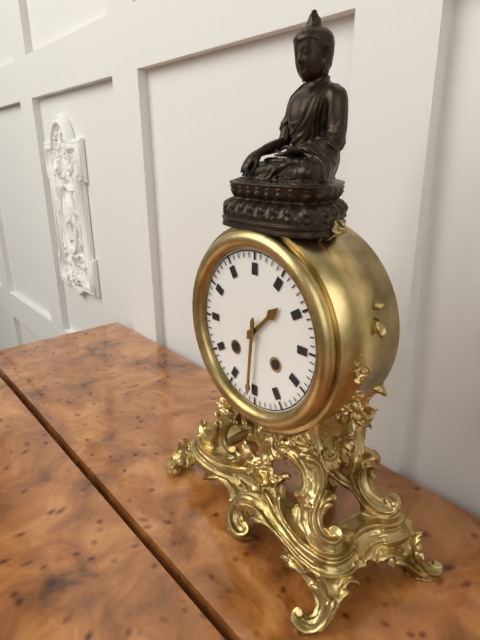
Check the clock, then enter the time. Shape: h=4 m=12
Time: h=1 m=31
